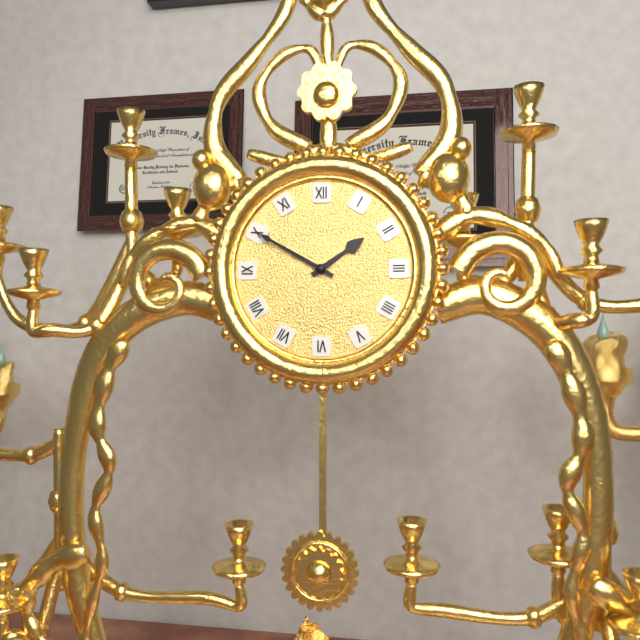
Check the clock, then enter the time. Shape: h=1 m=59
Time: h=1 m=50
